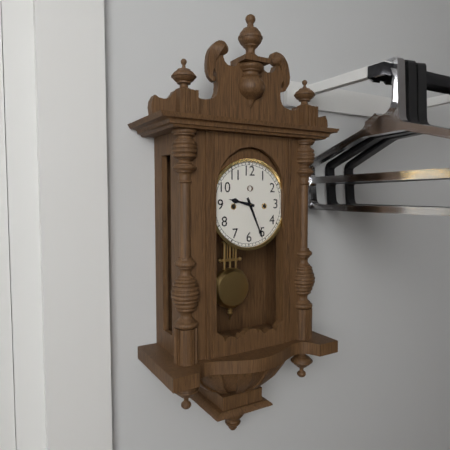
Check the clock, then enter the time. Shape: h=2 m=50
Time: h=9 m=26
